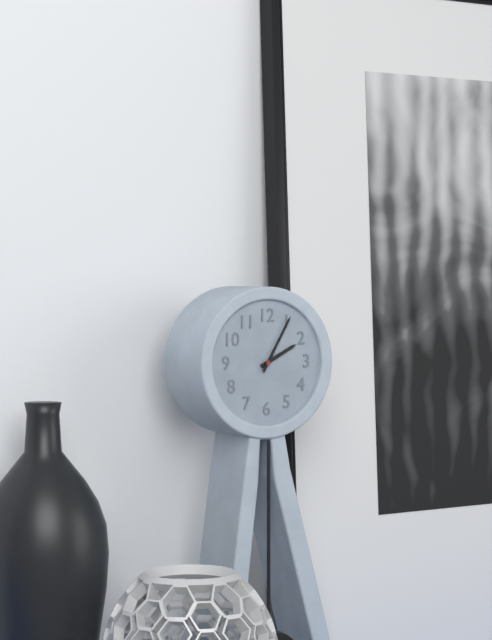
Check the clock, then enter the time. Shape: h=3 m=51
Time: h=2 m=5
